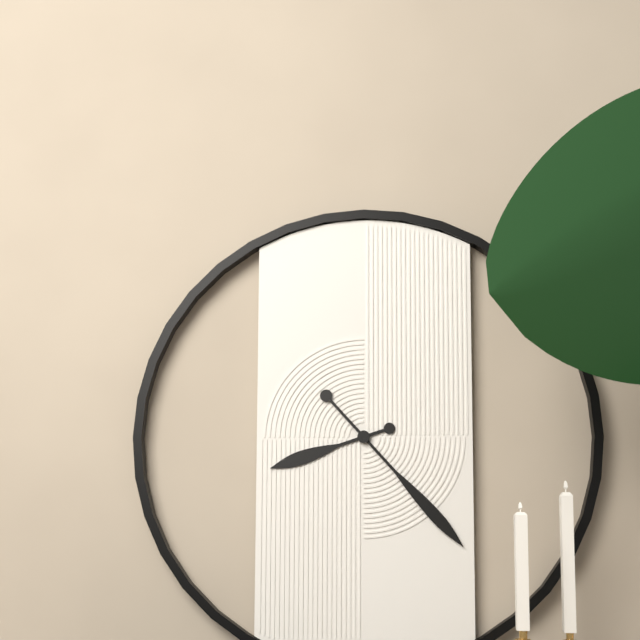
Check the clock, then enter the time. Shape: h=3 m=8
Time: h=8 m=23
